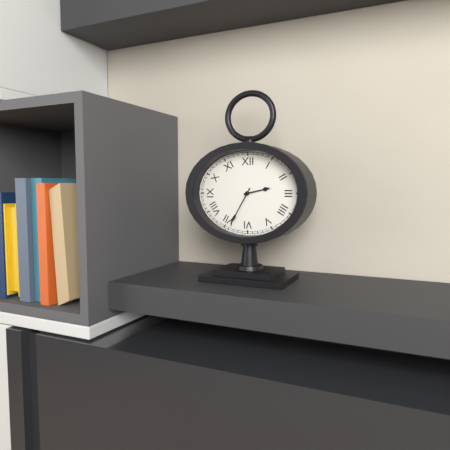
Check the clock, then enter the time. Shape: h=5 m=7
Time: h=2 m=35
